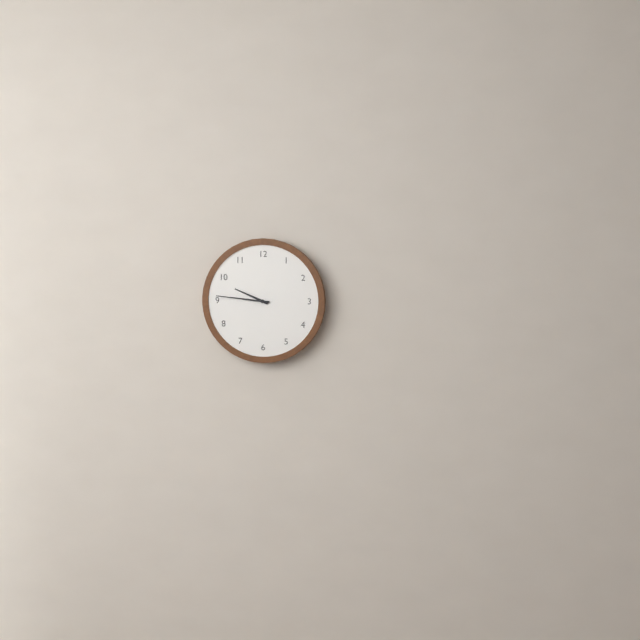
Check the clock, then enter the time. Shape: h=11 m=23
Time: h=9 m=46
